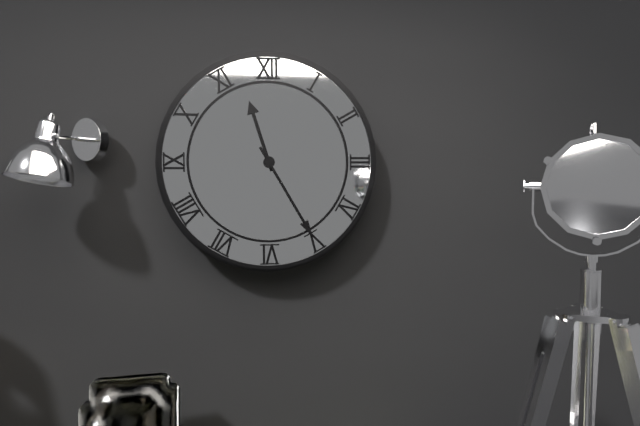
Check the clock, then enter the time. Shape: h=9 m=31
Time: h=11 m=25
